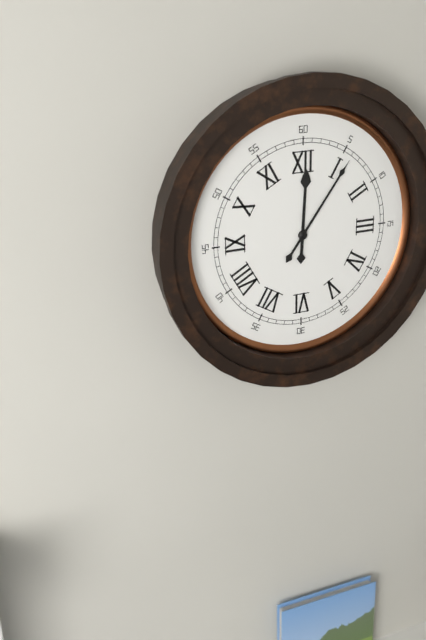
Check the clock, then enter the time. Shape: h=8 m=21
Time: h=12 m=6
